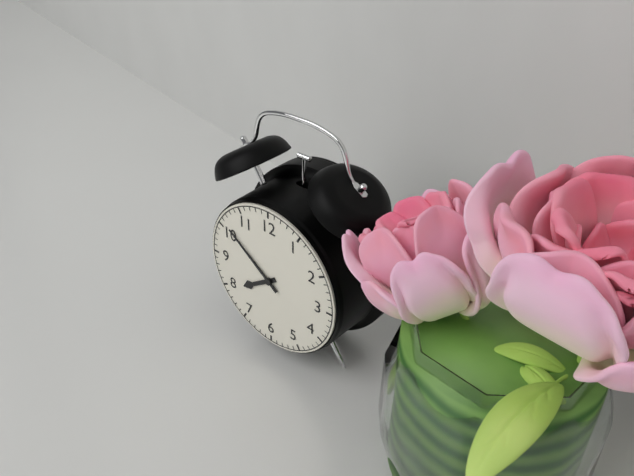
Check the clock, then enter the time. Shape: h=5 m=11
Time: h=7 m=51
